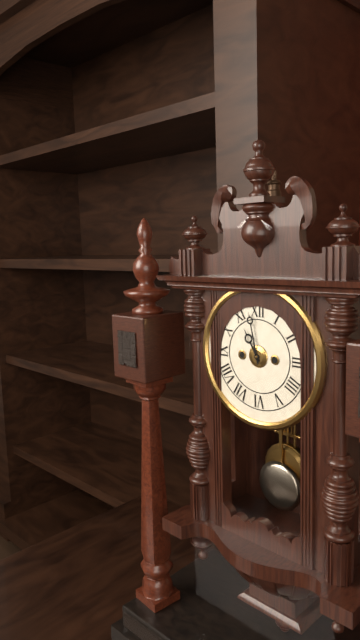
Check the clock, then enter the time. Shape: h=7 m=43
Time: h=10 m=58
